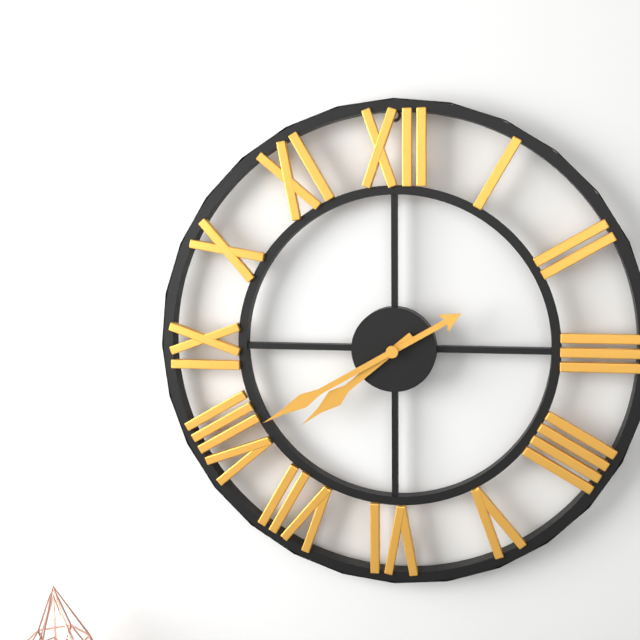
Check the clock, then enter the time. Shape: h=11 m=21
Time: h=7 m=40
